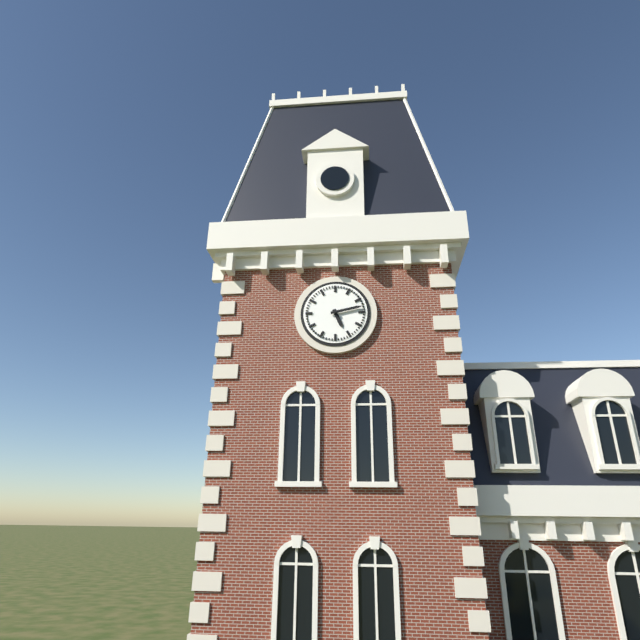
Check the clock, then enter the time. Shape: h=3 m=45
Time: h=5 m=13
